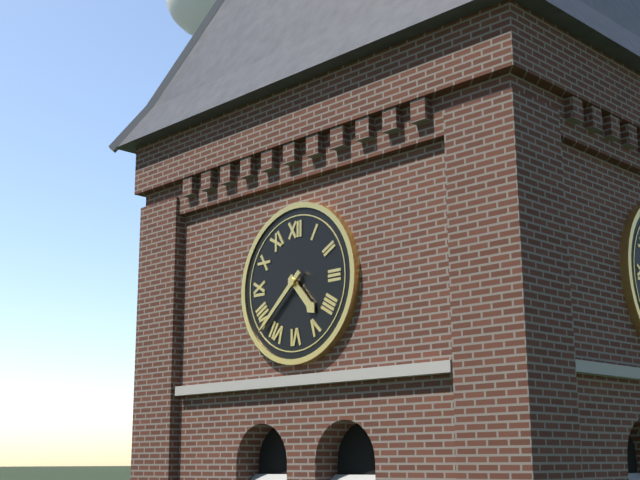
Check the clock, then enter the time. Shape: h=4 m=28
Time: h=4 m=38
